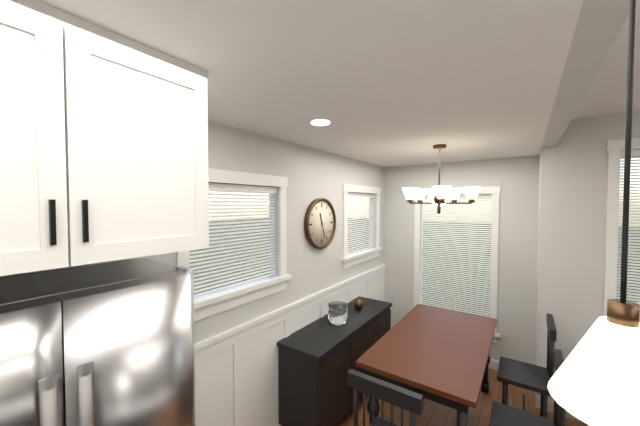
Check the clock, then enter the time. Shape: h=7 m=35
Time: h=11 m=27
